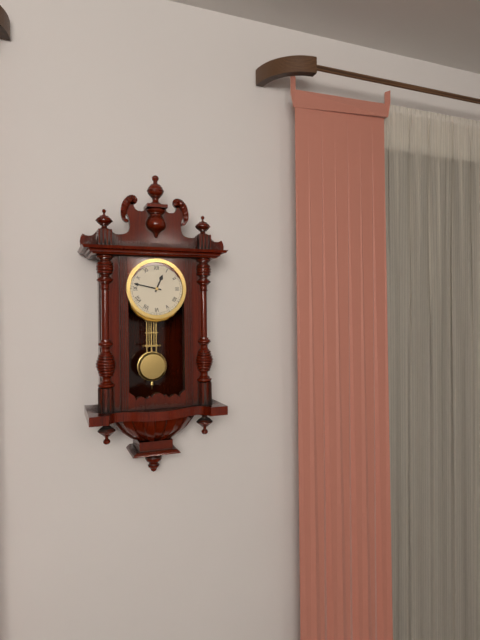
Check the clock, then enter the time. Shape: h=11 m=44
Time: h=12 m=47
